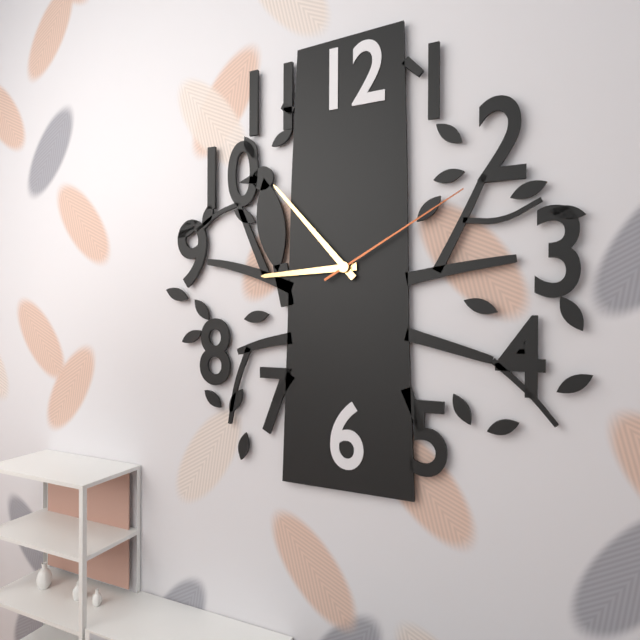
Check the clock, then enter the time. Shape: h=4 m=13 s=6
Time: h=8 m=53 s=10
